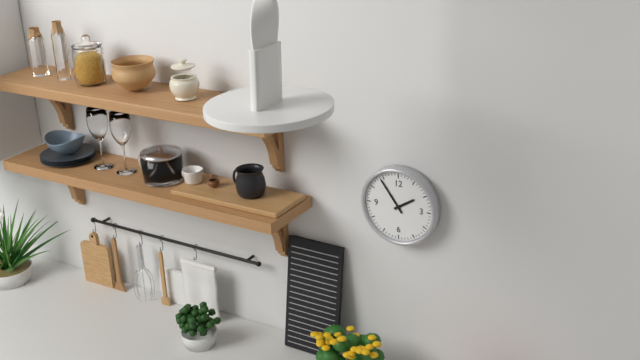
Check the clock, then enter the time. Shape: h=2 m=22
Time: h=1 m=54
